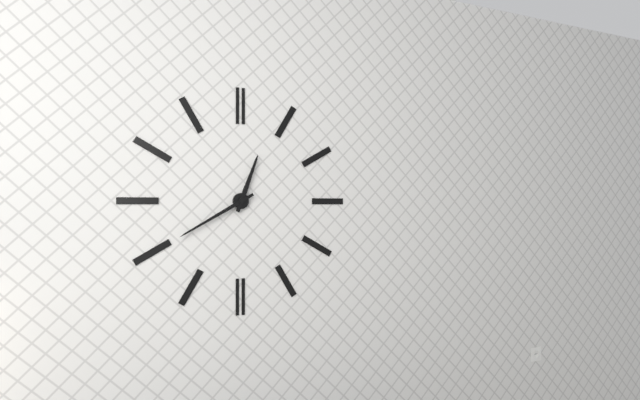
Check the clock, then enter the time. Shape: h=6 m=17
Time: h=12 m=40
